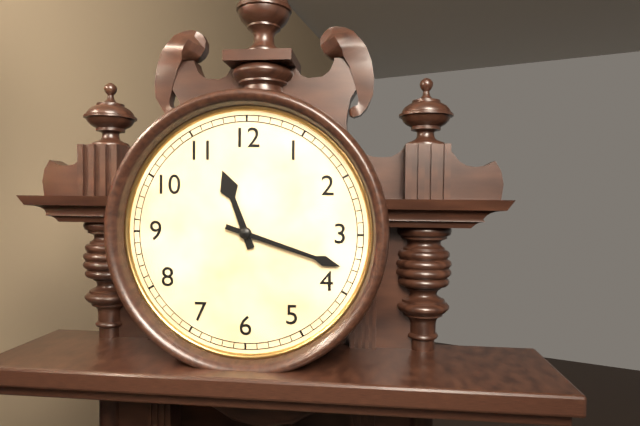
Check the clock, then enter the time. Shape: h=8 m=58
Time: h=11 m=18
